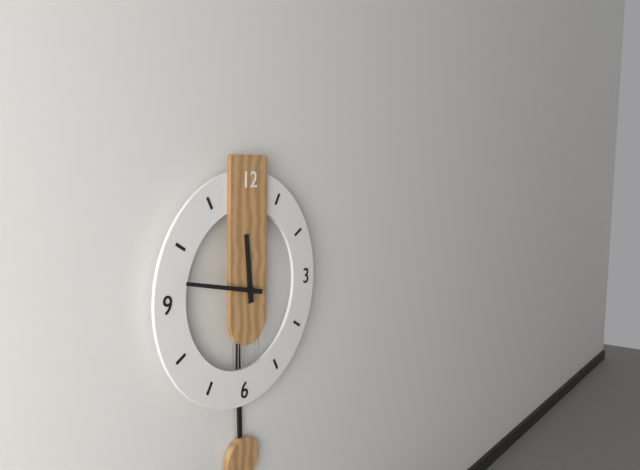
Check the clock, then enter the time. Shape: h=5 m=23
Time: h=11 m=47
